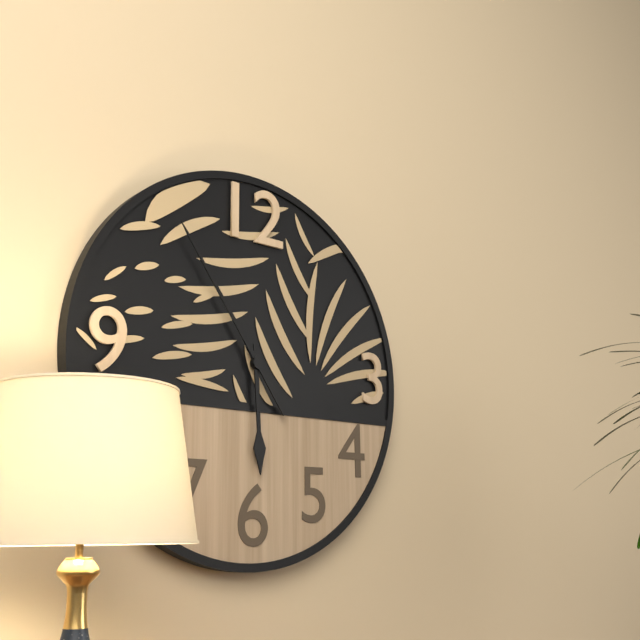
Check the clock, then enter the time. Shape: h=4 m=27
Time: h=5 m=54
